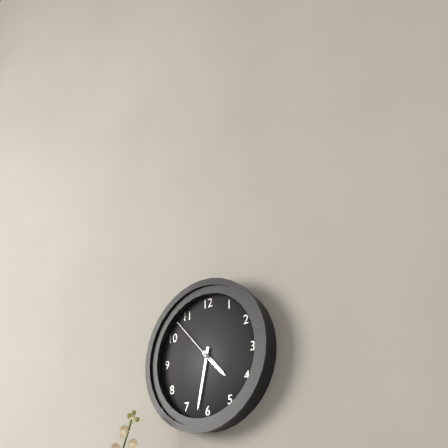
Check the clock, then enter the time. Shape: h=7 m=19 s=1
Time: h=4 m=32 s=53
